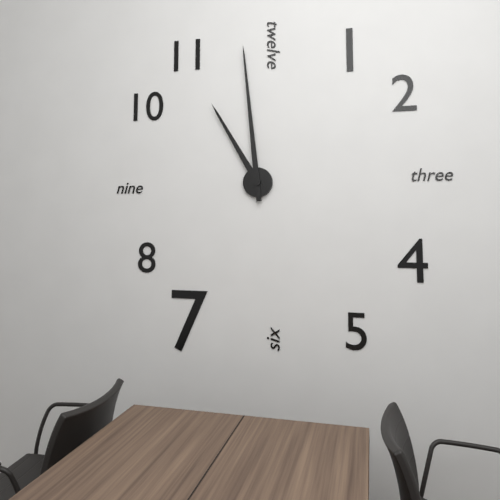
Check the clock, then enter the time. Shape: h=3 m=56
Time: h=10 m=59
